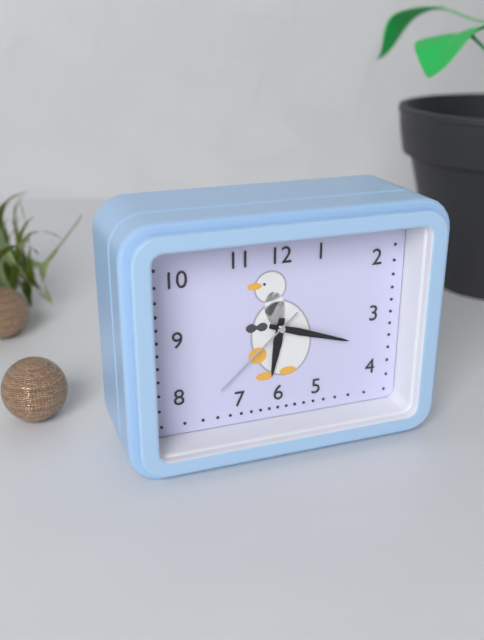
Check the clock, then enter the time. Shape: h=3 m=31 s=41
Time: h=6 m=18 s=38
